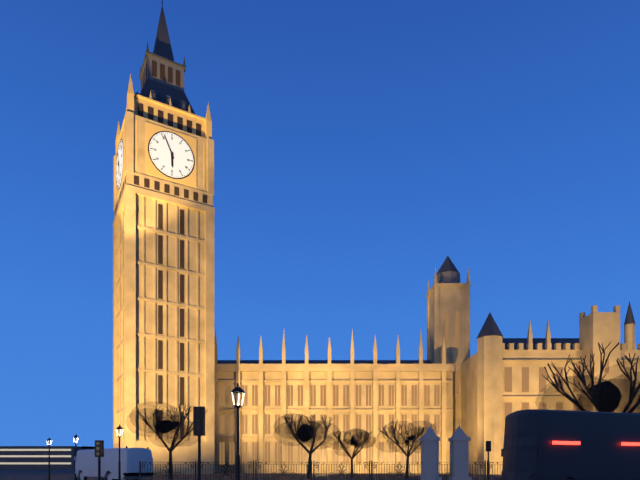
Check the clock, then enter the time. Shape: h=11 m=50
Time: h=5 m=56
